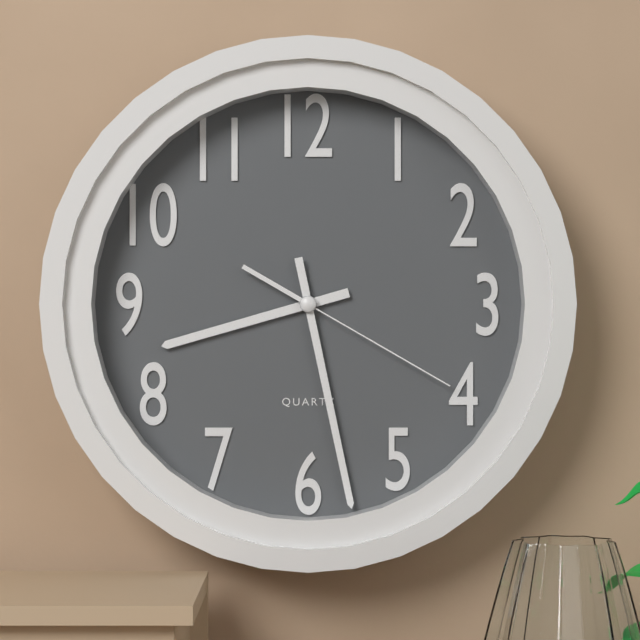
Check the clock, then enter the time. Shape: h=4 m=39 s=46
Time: h=8 m=28 s=20
